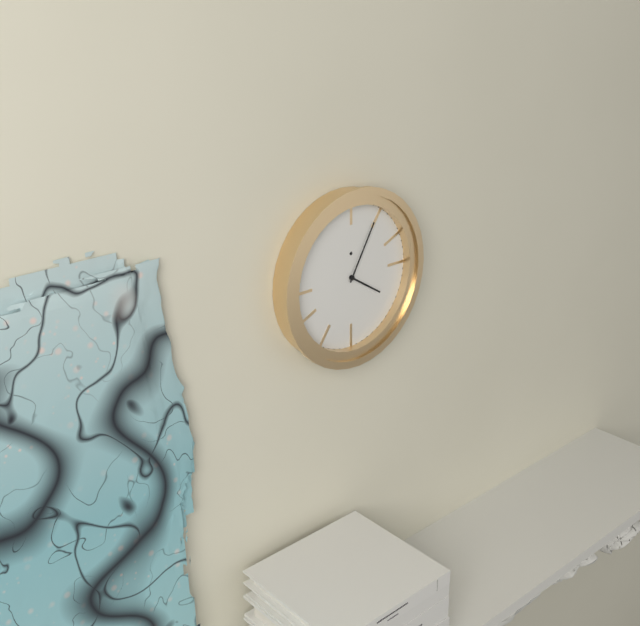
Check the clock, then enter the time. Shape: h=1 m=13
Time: h=4 m=5
